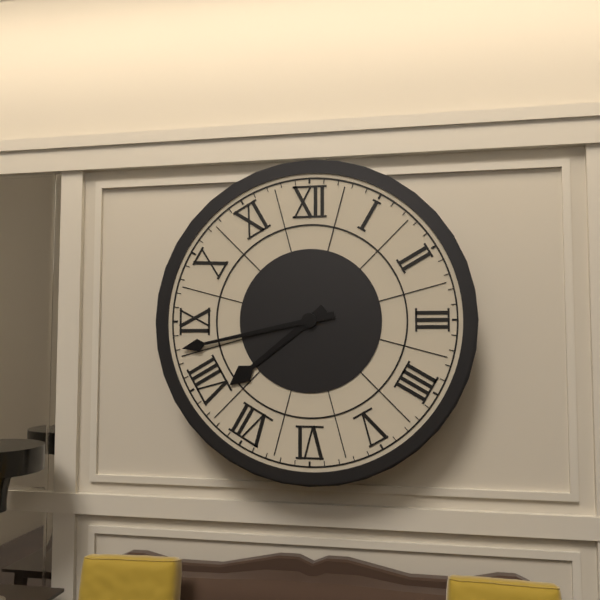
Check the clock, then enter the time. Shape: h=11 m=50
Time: h=7 m=43
